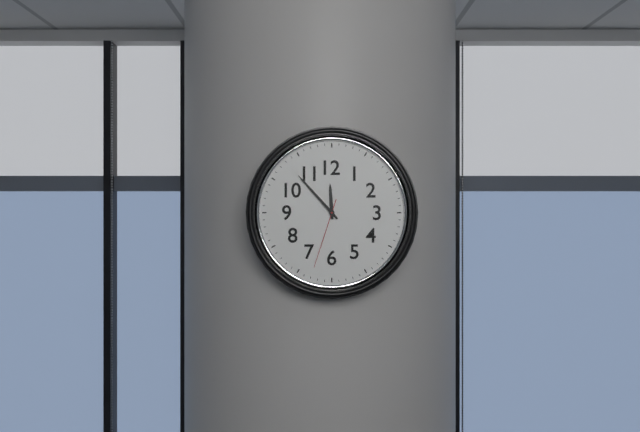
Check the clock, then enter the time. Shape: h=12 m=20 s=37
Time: h=11 m=53 s=33
